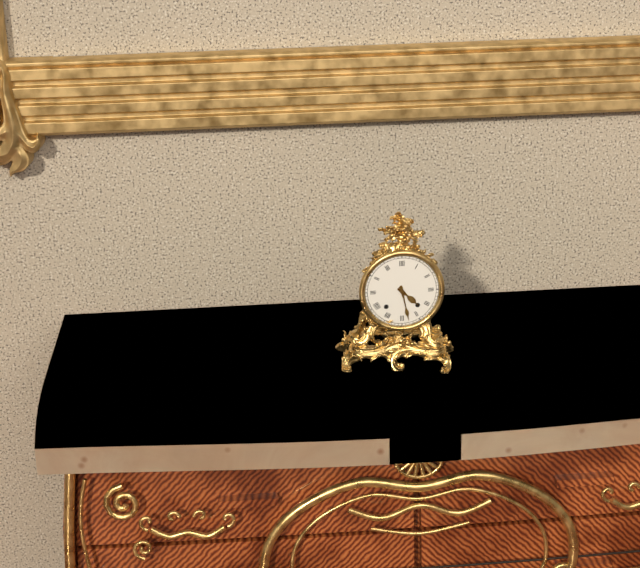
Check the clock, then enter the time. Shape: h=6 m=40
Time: h=4 m=28
